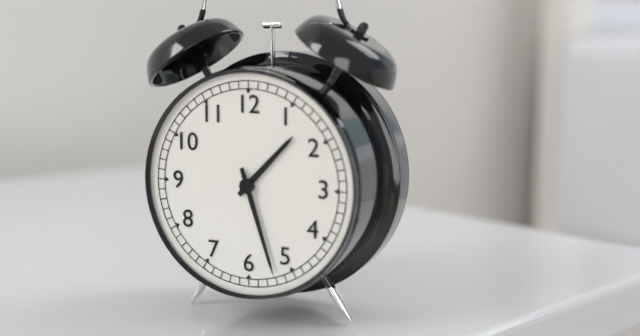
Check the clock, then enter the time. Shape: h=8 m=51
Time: h=1 m=27
